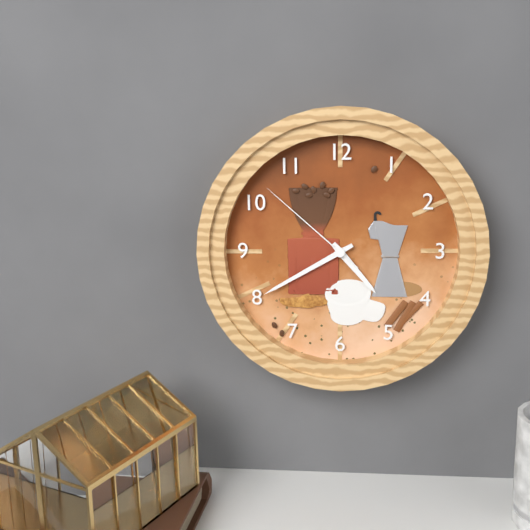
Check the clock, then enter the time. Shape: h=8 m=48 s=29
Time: h=4 m=40 s=52
